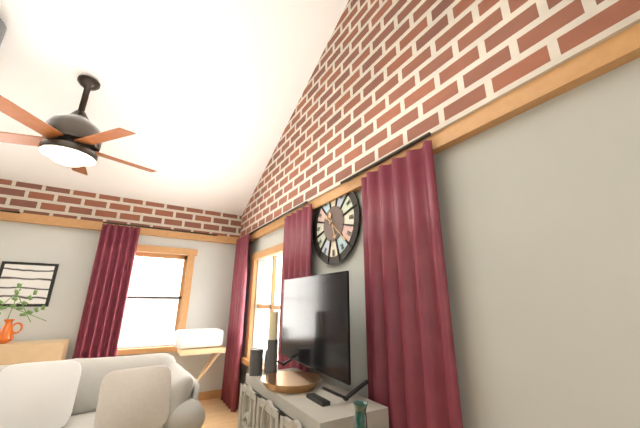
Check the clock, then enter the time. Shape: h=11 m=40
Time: h=5 m=22
